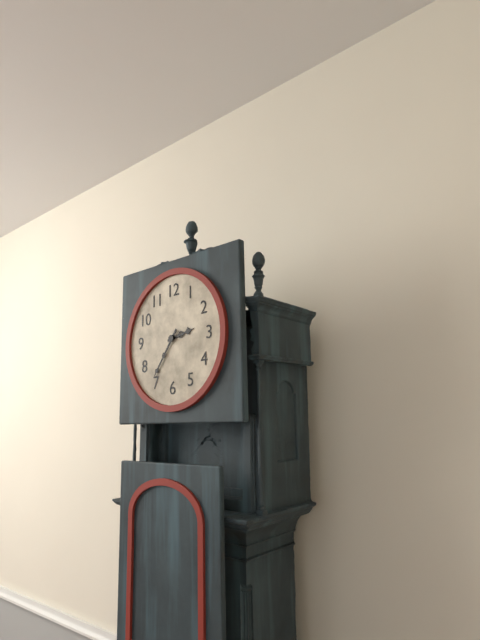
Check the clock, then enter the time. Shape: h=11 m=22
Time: h=2 m=36
